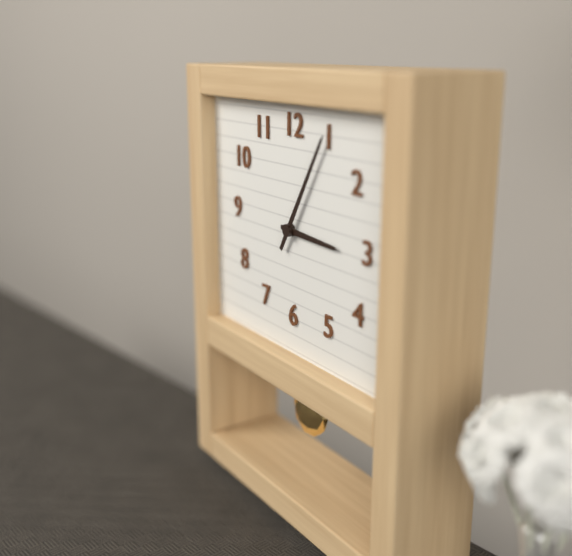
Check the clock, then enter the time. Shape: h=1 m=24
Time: h=3 m=5
